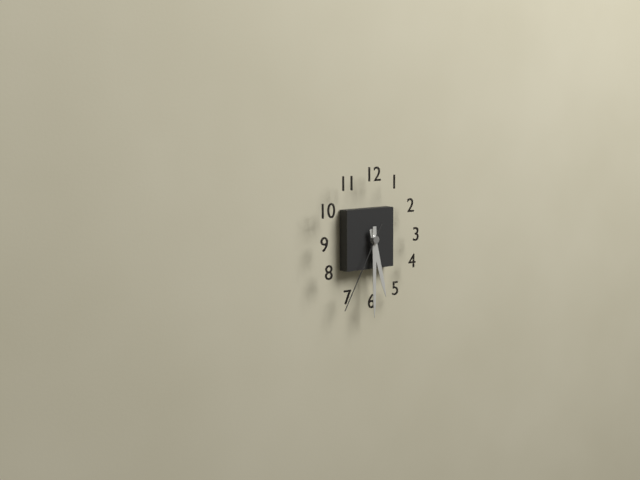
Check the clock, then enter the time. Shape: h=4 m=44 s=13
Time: h=5 m=30 s=35
